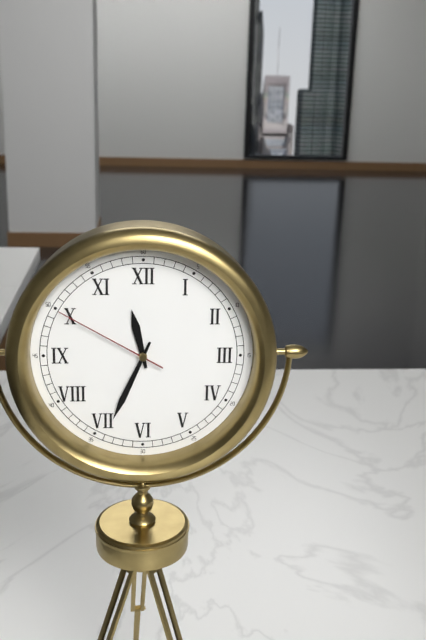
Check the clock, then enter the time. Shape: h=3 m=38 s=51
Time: h=11 m=34 s=50
